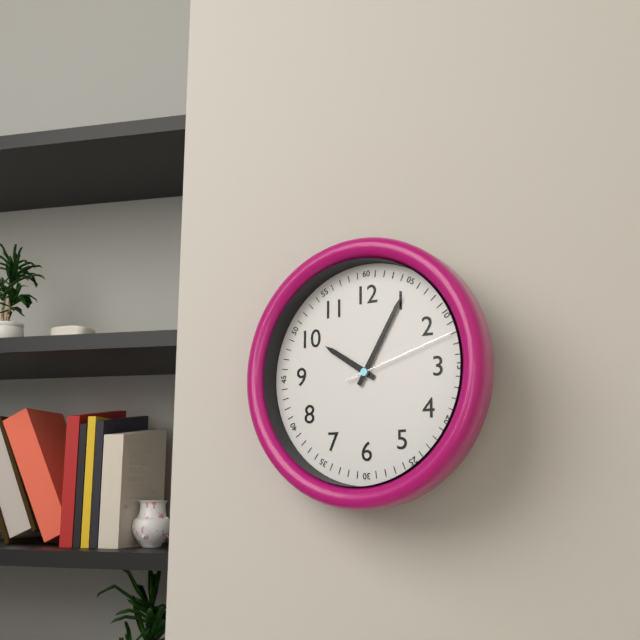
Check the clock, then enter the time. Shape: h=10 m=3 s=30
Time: h=10 m=5 s=12
